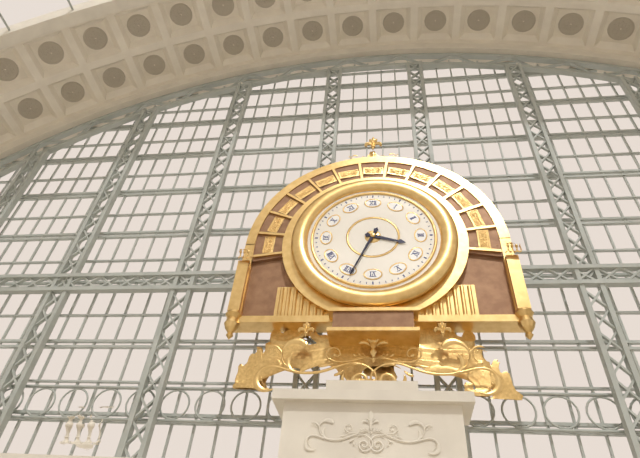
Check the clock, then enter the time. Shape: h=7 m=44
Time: h=3 m=34
